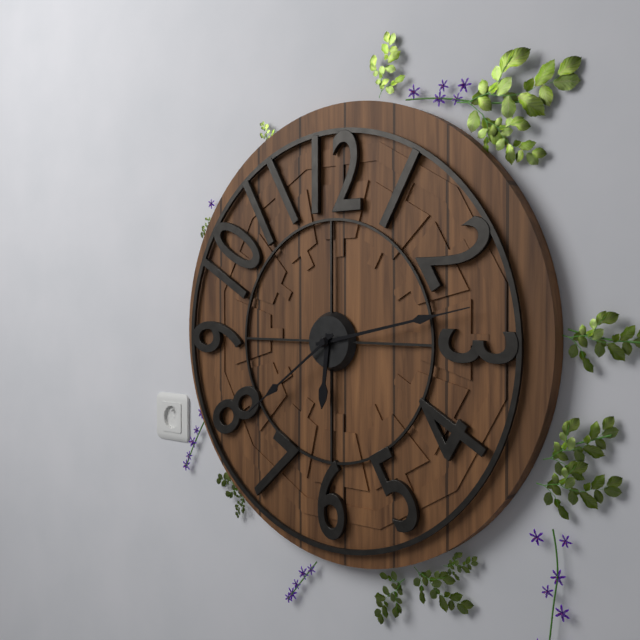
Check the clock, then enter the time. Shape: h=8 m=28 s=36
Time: h=6 m=13 s=39
